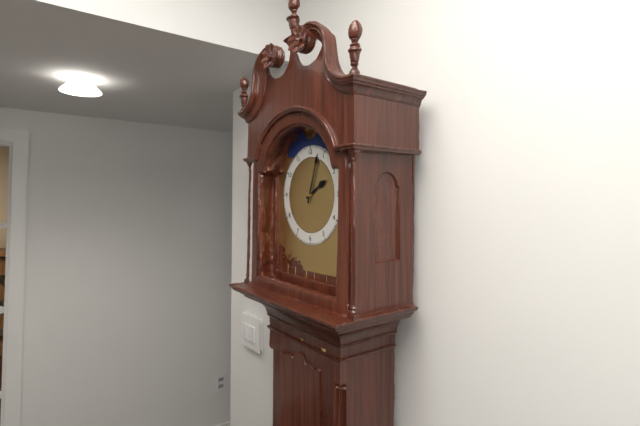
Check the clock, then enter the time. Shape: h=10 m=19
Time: h=2 m=3
